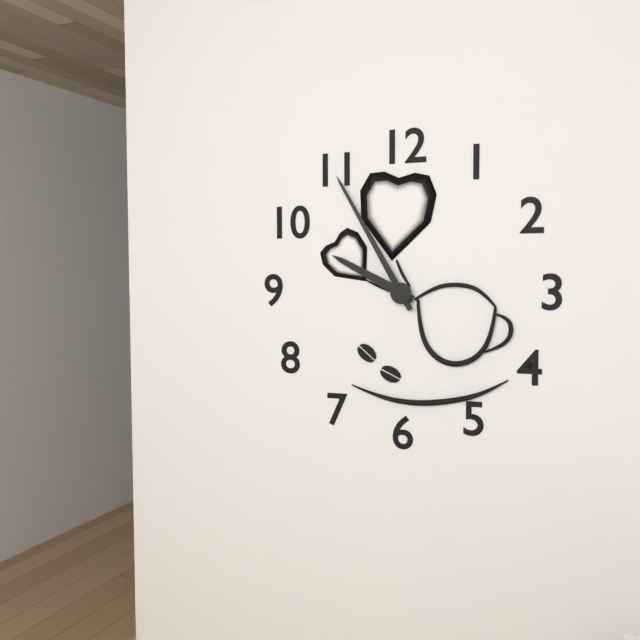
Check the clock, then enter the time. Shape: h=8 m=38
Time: h=9 m=55
